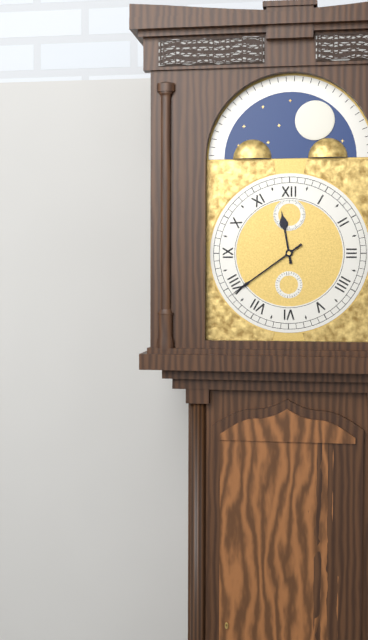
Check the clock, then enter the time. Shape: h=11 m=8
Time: h=11 m=39
